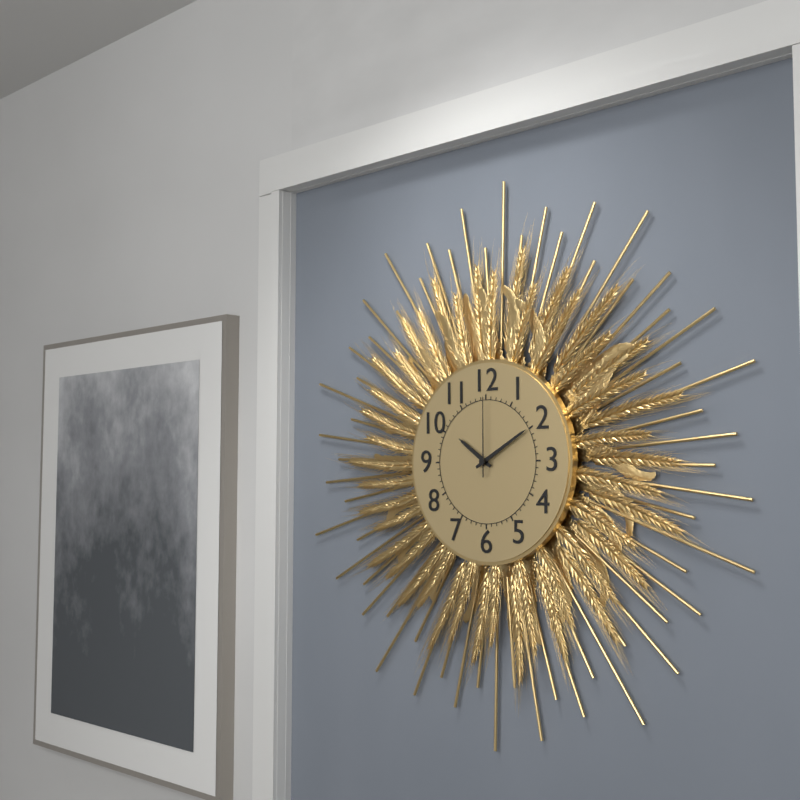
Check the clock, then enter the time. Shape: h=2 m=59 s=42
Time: h=10 m=10 s=0
